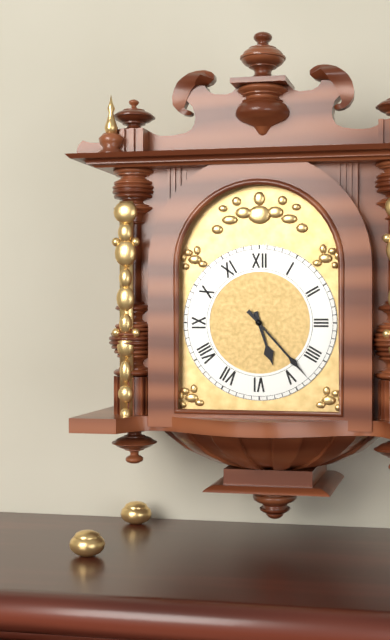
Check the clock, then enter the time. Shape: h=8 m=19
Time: h=5 m=23
